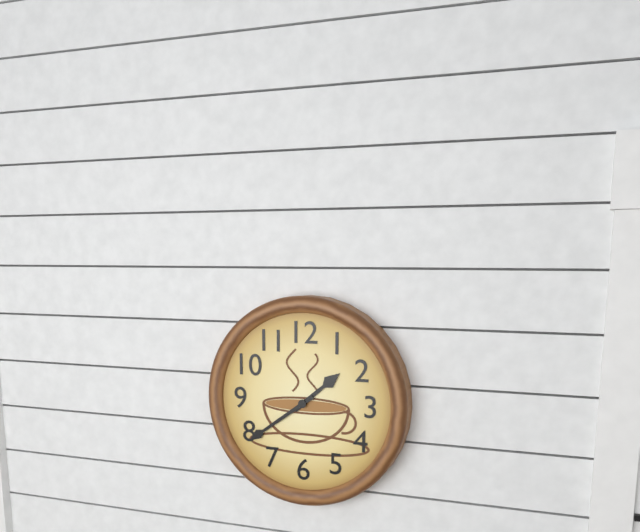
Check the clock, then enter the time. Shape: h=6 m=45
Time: h=1 m=39
